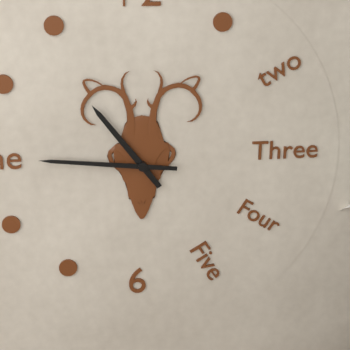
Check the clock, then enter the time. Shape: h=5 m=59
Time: h=10 m=46
